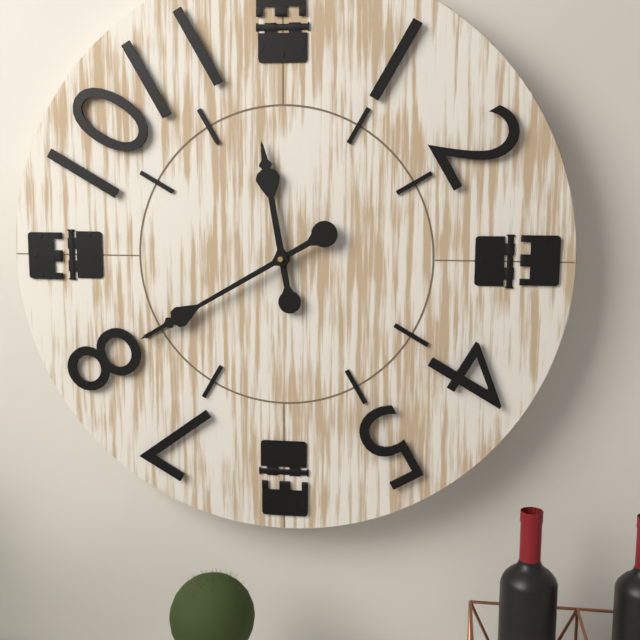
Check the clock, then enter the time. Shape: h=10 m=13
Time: h=11 m=40
